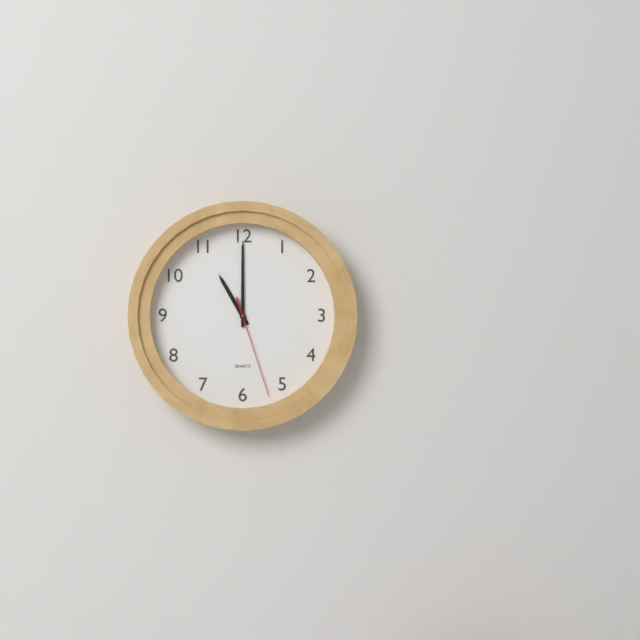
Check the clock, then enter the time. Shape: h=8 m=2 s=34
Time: h=11 m=0 s=27
